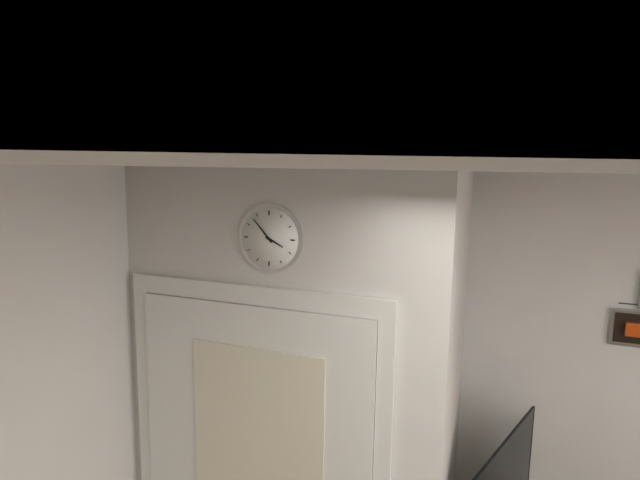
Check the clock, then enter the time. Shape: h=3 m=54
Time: h=3 m=53
